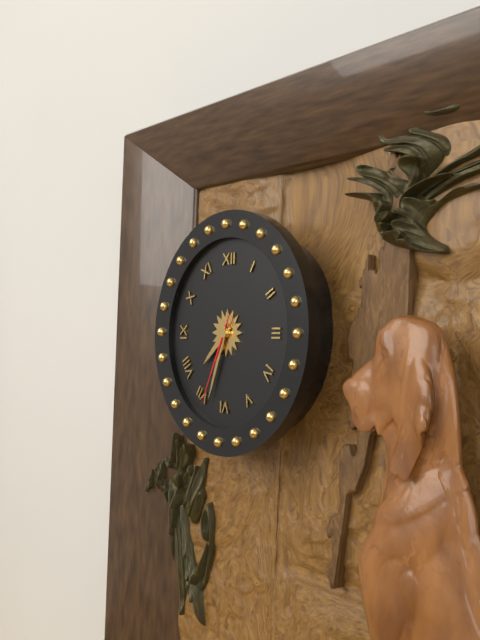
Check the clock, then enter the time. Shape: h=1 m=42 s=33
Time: h=7 m=33 s=34
